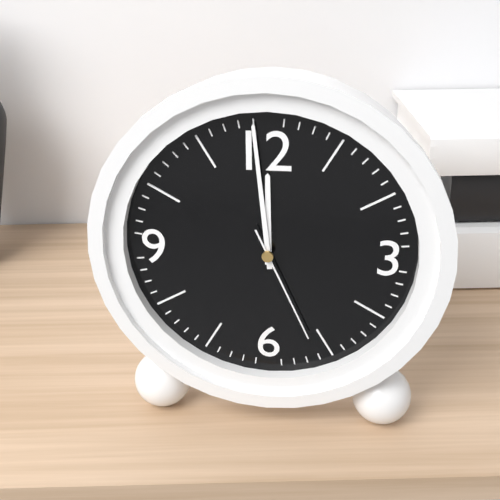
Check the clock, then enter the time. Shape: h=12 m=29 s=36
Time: h=11 m=59 s=26
